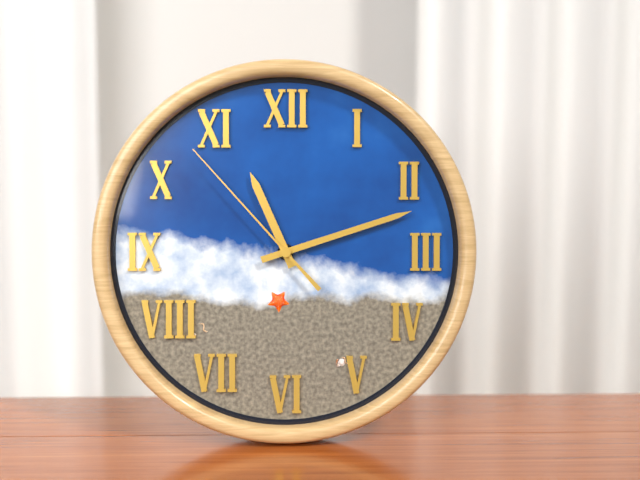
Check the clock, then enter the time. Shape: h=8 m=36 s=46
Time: h=11 m=12 s=53
